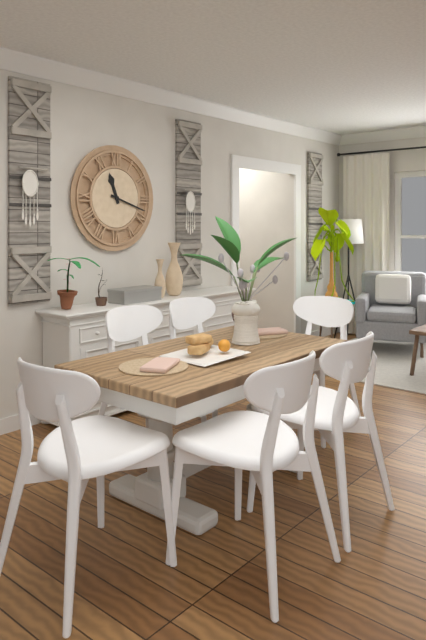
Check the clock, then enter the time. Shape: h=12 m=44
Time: h=11 m=18
